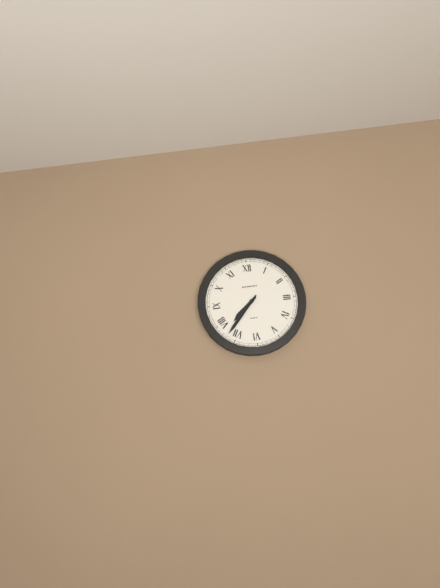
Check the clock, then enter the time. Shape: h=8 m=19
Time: h=7 m=37
